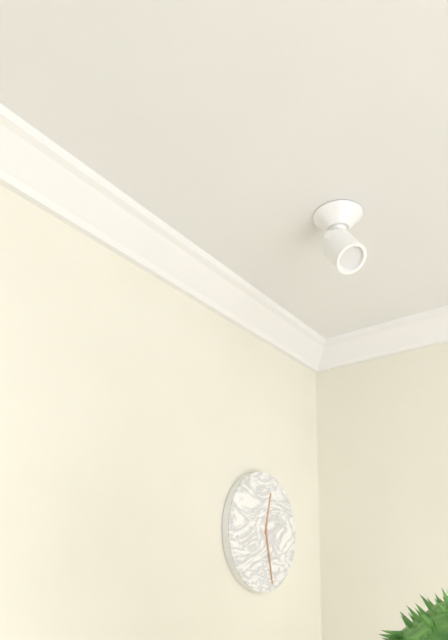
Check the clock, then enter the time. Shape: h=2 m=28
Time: h=12 m=28
